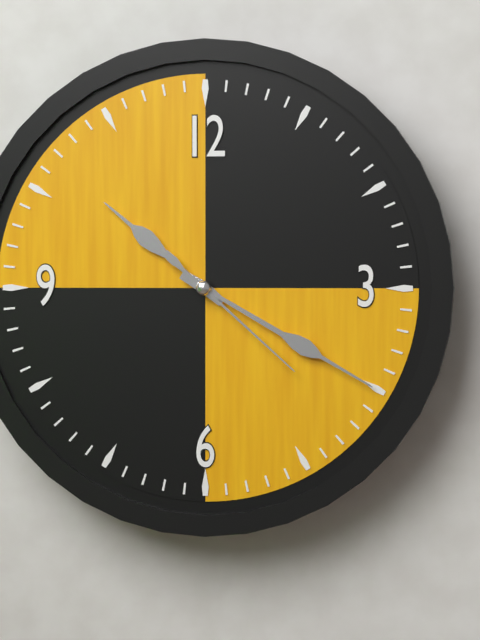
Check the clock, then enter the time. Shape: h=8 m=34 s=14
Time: h=10 m=20 s=22
